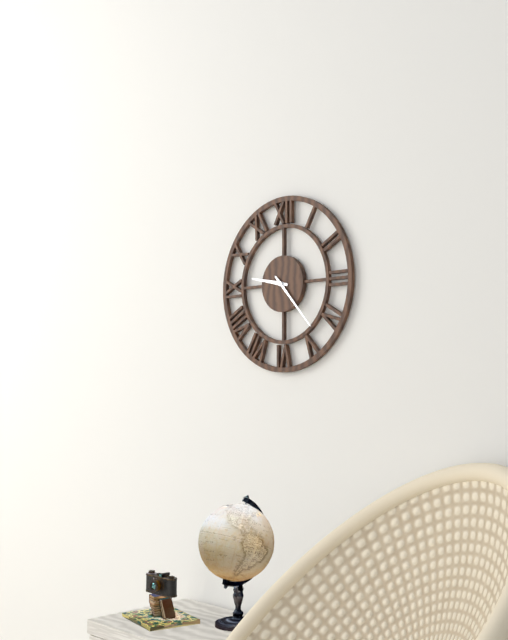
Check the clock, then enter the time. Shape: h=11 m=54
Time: h=9 m=23
